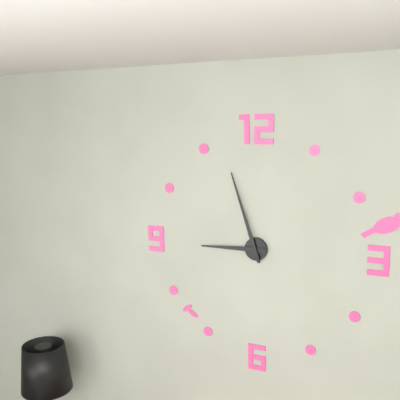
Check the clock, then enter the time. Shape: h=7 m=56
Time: h=8 m=57
